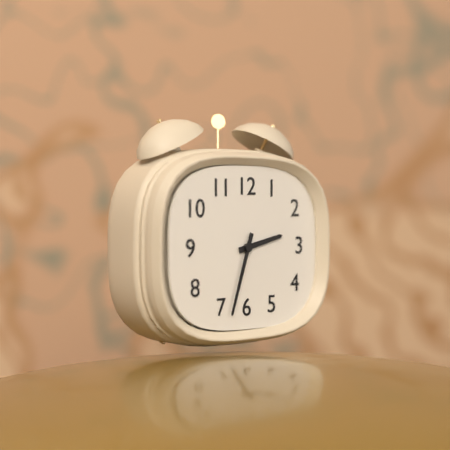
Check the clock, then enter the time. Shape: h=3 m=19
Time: h=2 m=33
